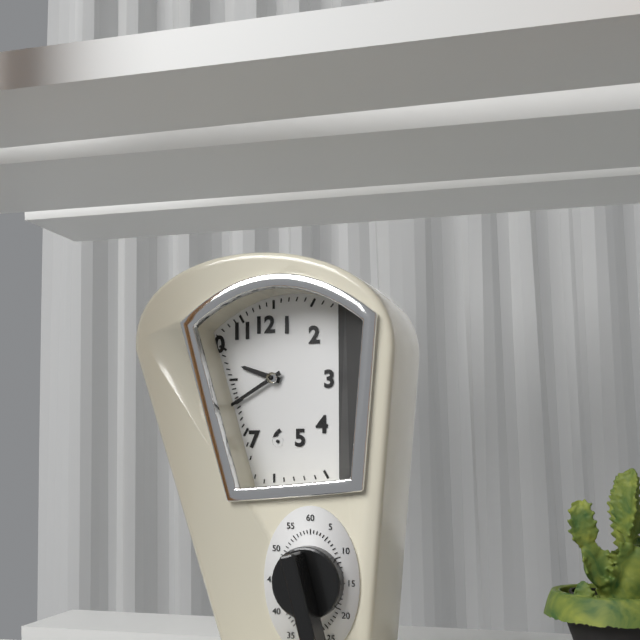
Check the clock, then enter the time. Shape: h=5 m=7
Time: h=9 m=40
